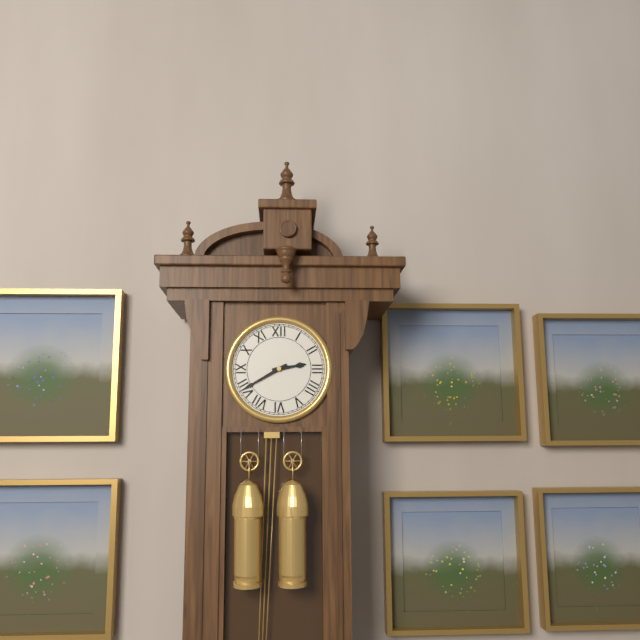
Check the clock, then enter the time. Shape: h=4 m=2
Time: h=2 m=40
